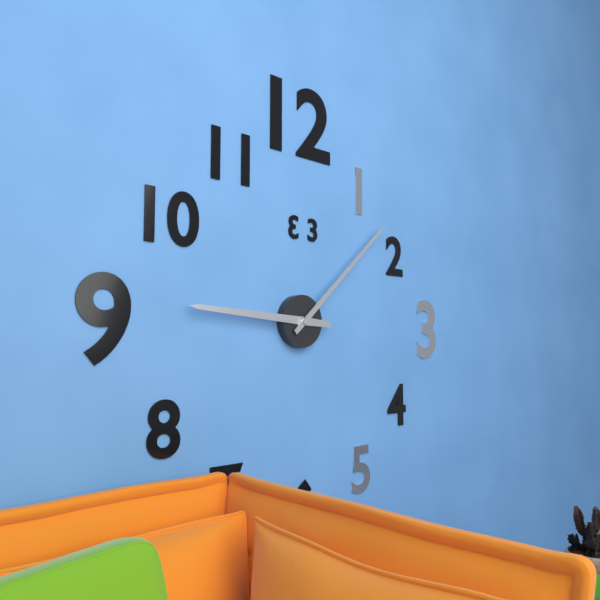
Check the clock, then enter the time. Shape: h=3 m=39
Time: h=9 m=8
